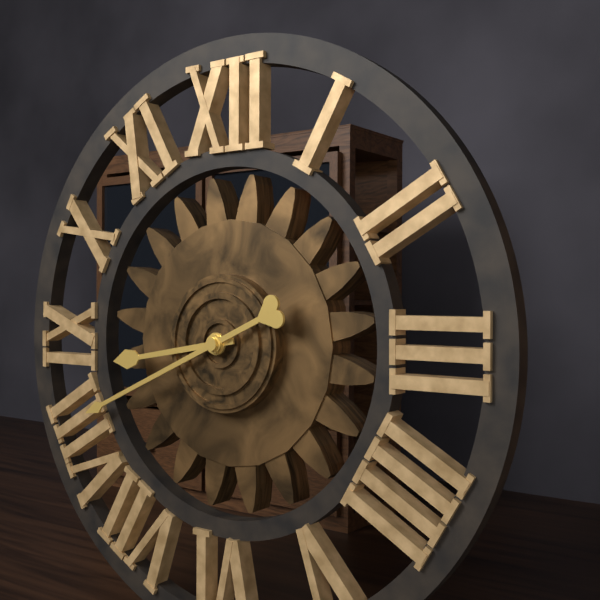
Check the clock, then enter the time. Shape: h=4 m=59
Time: h=8 m=41
